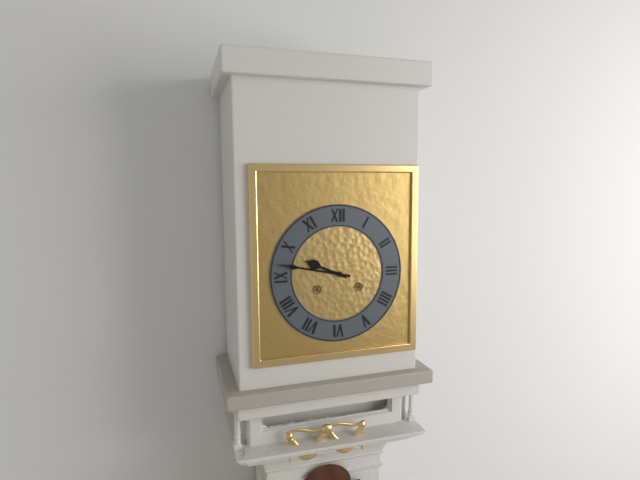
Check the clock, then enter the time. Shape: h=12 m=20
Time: h=9 m=47
